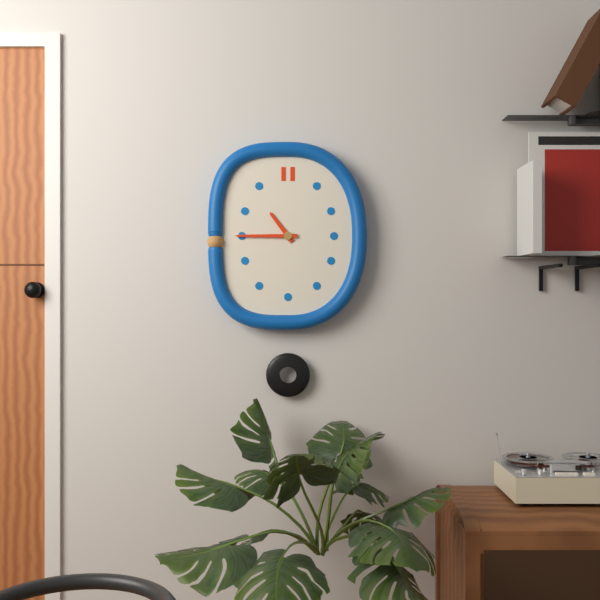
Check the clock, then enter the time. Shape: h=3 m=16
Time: h=10 m=45
